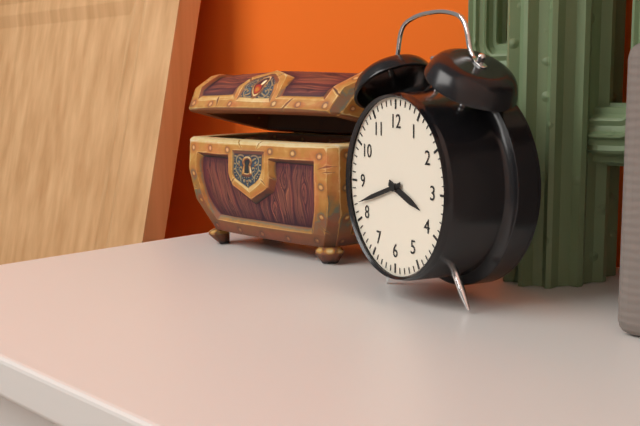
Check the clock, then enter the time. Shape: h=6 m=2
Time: h=3 m=42
